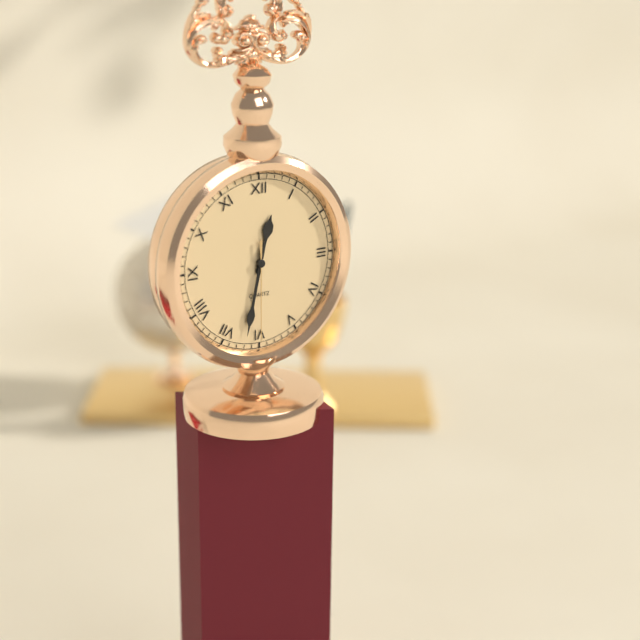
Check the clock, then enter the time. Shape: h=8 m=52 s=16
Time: h=12 m=32 s=30
